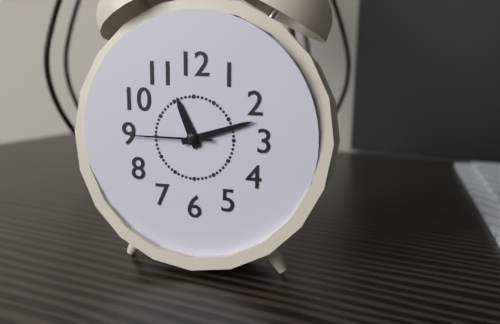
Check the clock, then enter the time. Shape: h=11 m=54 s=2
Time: h=11 m=12 s=45
